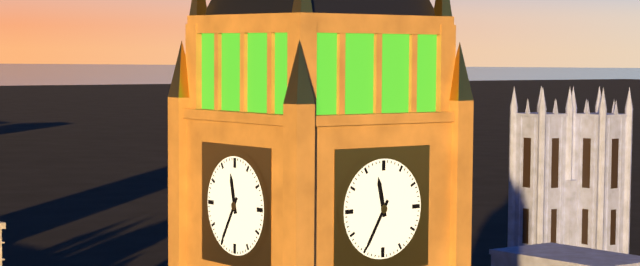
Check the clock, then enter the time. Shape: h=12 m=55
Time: h=11 m=35
